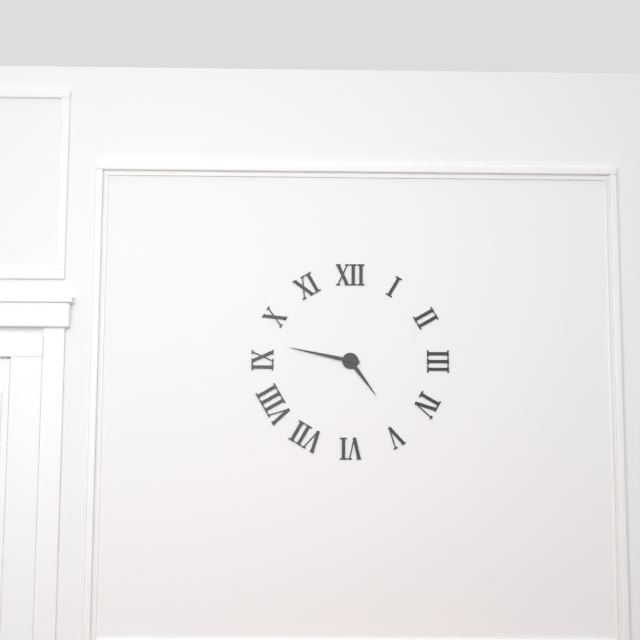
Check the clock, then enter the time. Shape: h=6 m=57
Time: h=4 m=47
